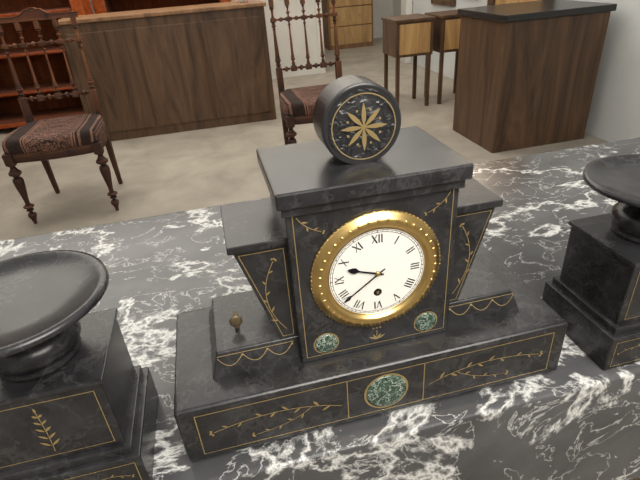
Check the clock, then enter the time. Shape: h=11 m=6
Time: h=9 m=39
